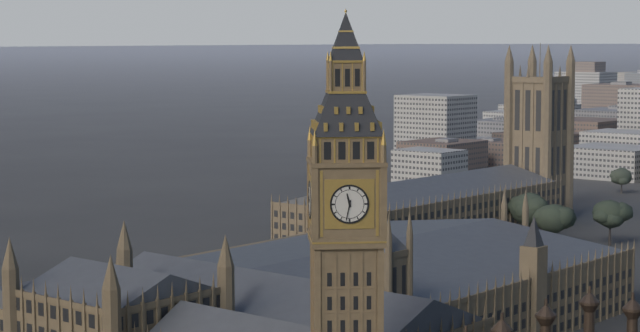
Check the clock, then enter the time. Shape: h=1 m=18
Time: h=11 m=32
